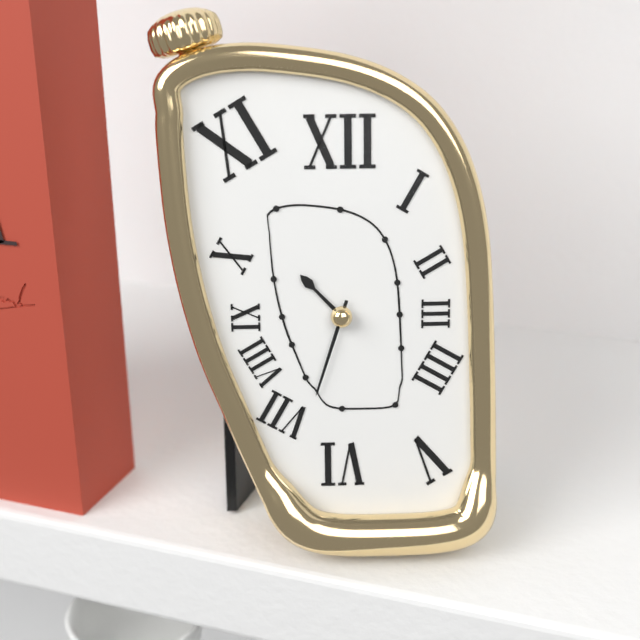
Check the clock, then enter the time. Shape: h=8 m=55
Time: h=10 m=33
